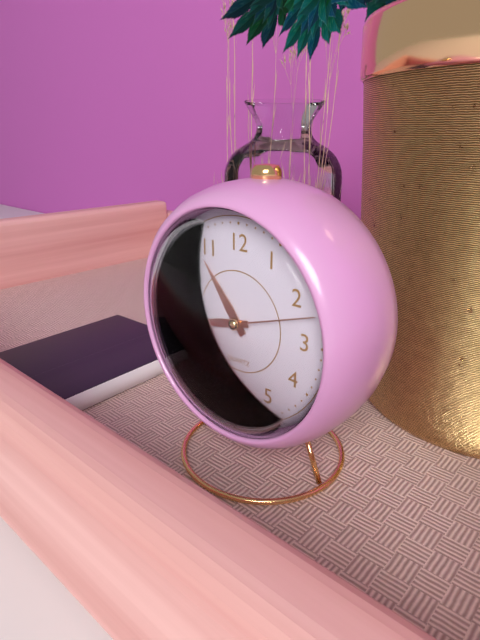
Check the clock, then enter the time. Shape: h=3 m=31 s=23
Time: h=10 m=43 s=12
